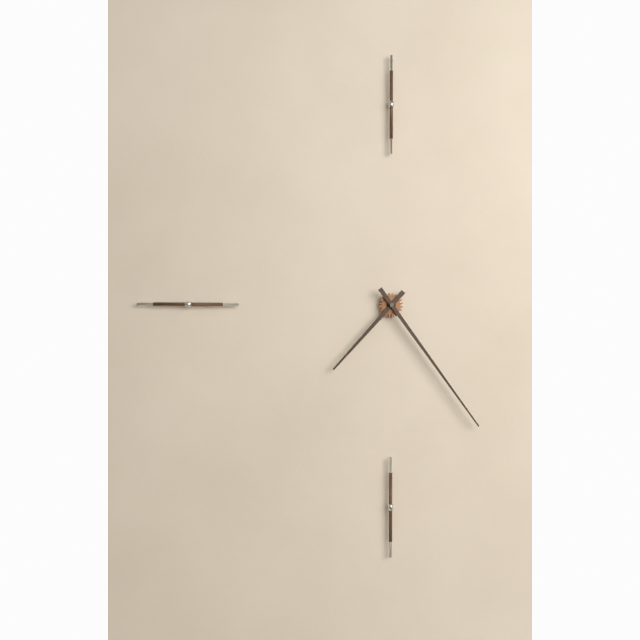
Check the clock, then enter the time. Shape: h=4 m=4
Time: h=7 m=24
